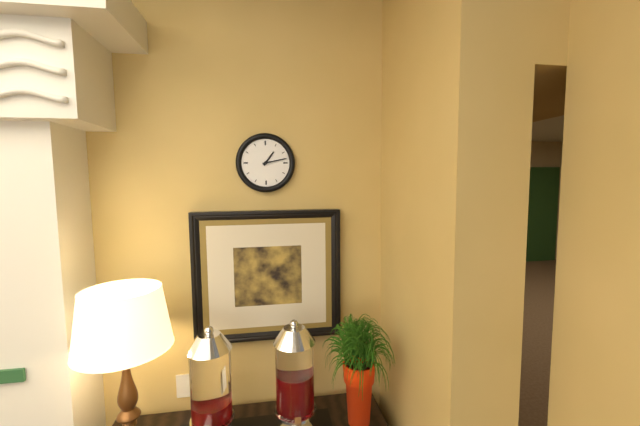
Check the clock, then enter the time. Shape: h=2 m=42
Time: h=1 m=13
